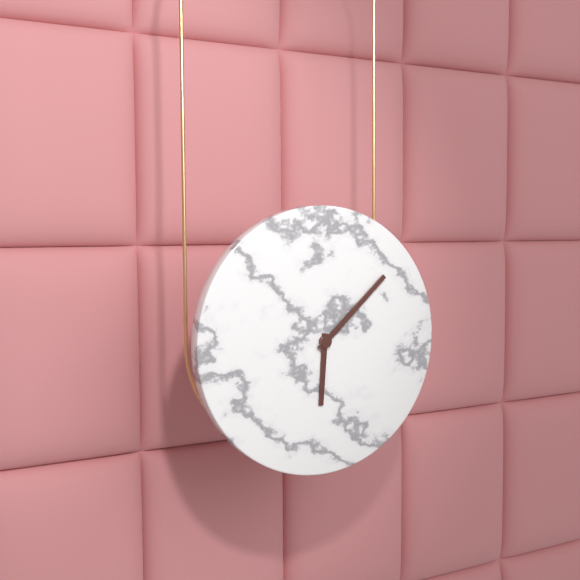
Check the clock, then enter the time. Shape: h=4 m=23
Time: h=6 m=8
